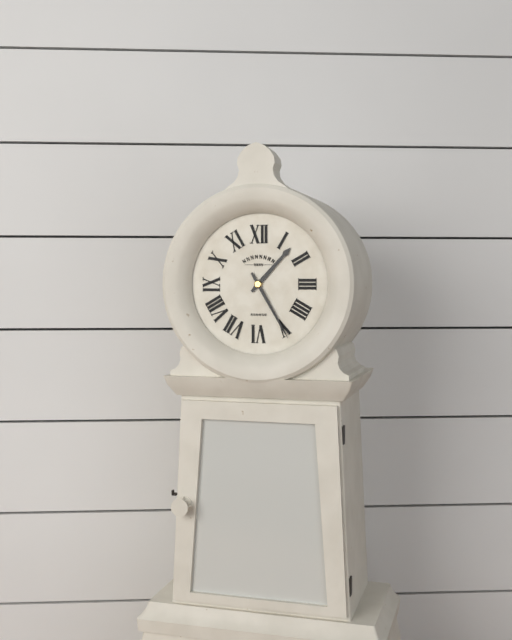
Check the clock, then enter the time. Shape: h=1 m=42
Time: h=1 m=25
